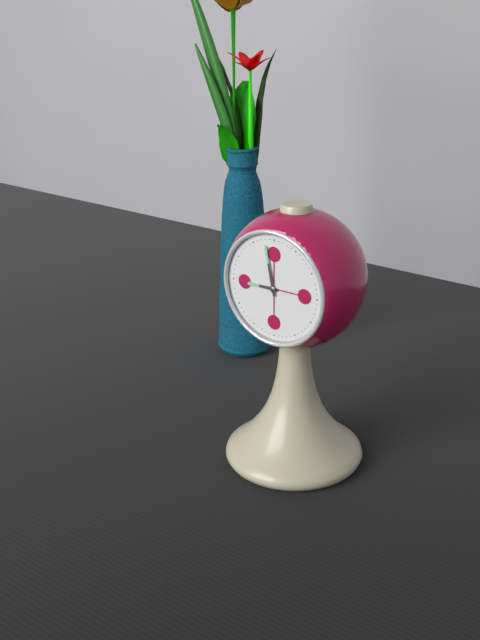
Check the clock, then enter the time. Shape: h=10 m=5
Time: h=8 m=58
